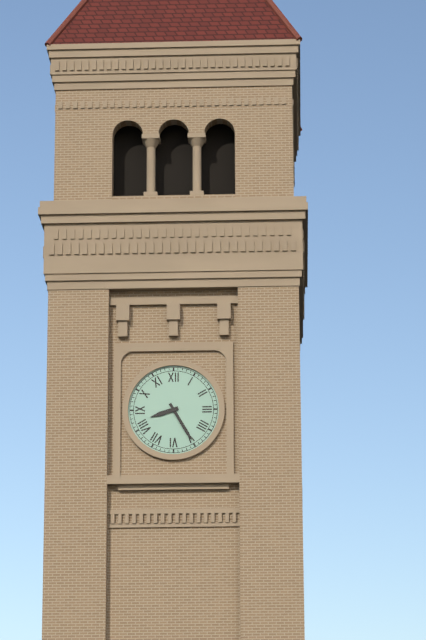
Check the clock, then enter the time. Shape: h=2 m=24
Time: h=8 m=25
